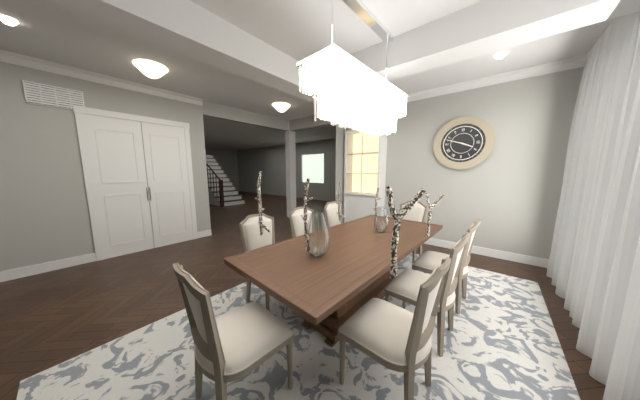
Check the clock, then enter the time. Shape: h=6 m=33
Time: h=3 m=48
